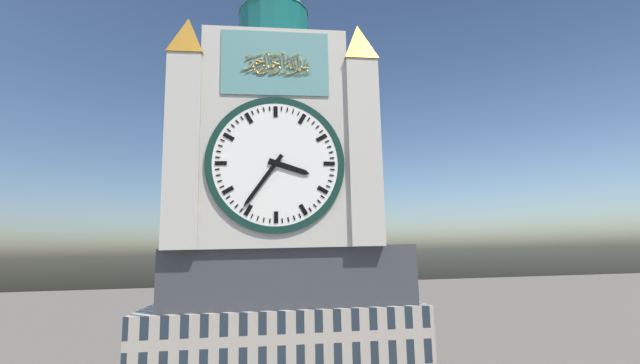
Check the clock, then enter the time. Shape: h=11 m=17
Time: h=3 m=36
